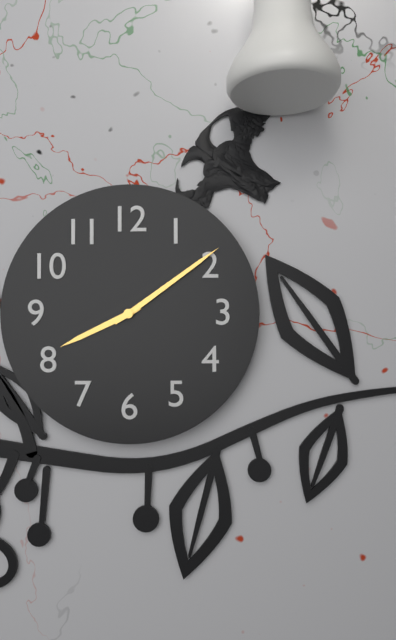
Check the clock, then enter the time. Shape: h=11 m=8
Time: h=8 m=9
